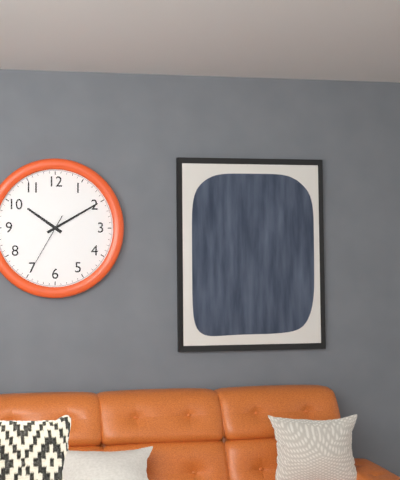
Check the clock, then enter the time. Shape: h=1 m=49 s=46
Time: h=10 m=10 s=35
